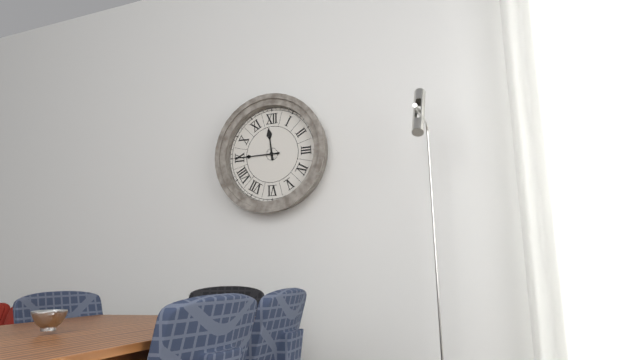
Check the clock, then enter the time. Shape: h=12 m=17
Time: h=11 m=45
